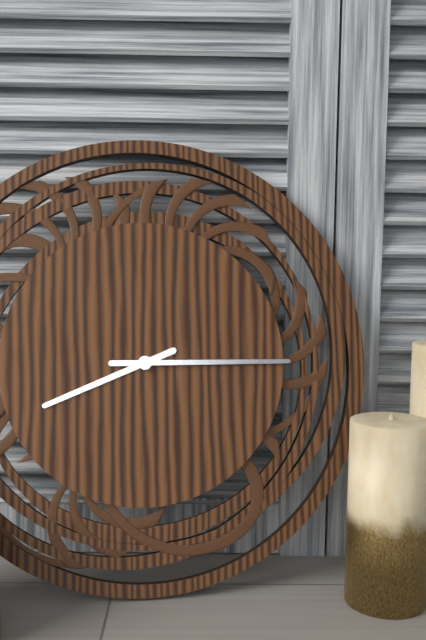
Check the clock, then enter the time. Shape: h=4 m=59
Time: h=8 m=15
